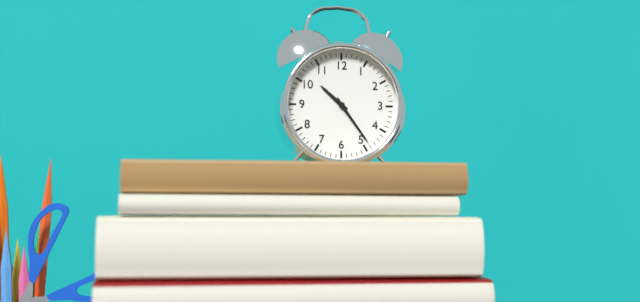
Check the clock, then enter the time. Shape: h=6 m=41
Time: h=10 m=24
